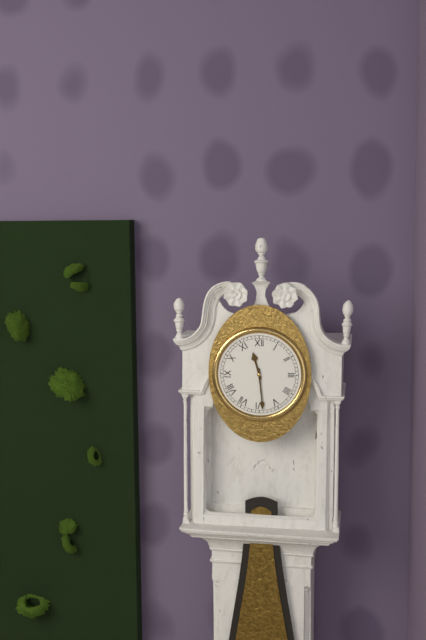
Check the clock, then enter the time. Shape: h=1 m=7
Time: h=11 m=29
